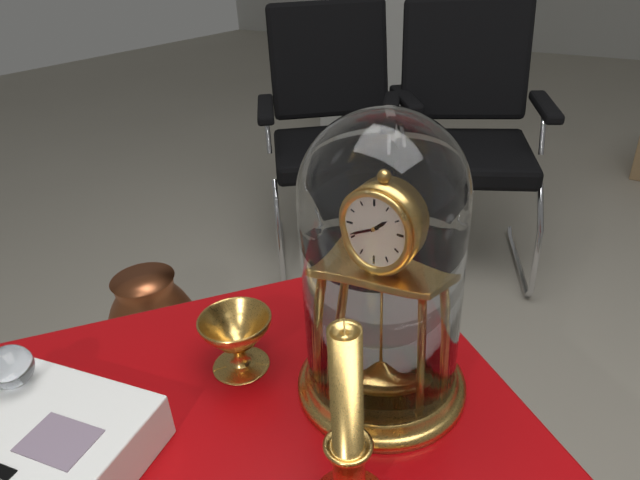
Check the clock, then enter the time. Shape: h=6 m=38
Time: h=1 m=41
